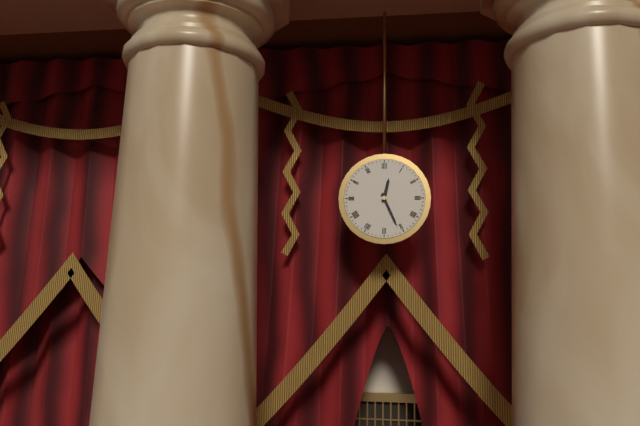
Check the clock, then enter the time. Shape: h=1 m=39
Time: h=12 m=26
